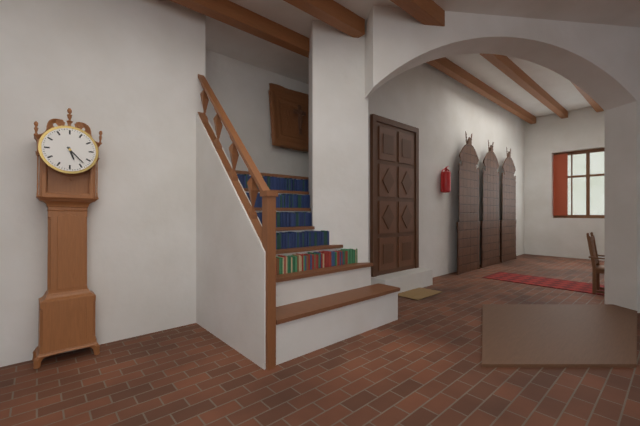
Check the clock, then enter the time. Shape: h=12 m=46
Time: h=5 m=23
